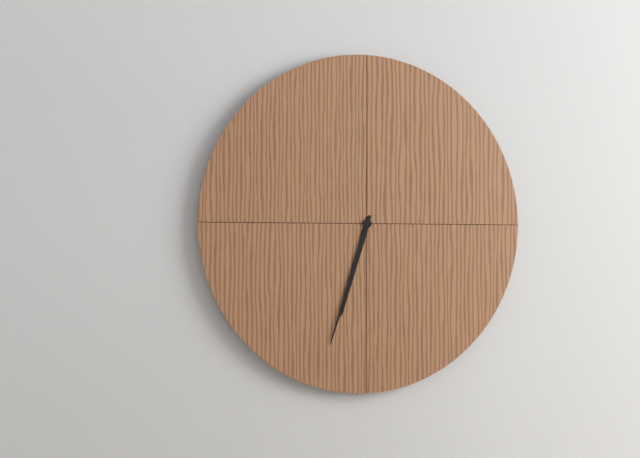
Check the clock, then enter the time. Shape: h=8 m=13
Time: h=6 m=33
